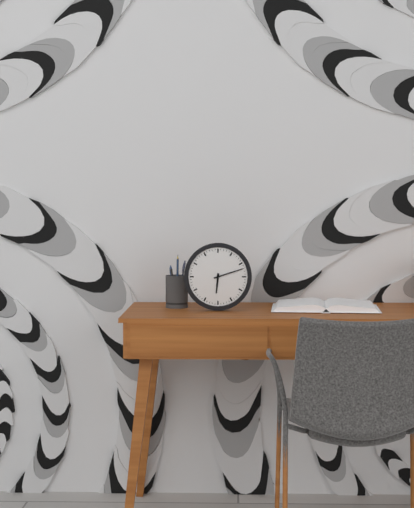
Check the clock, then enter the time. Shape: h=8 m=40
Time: h=6 m=12
